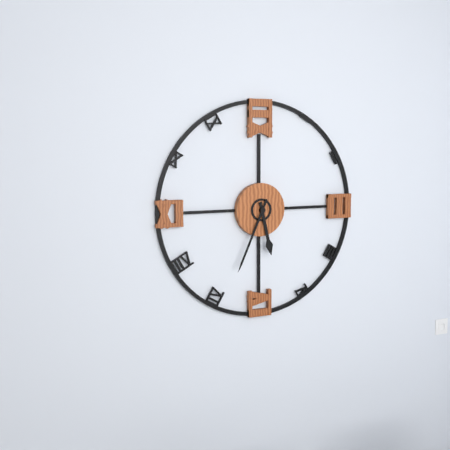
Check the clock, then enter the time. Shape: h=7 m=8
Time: h=5 m=34
